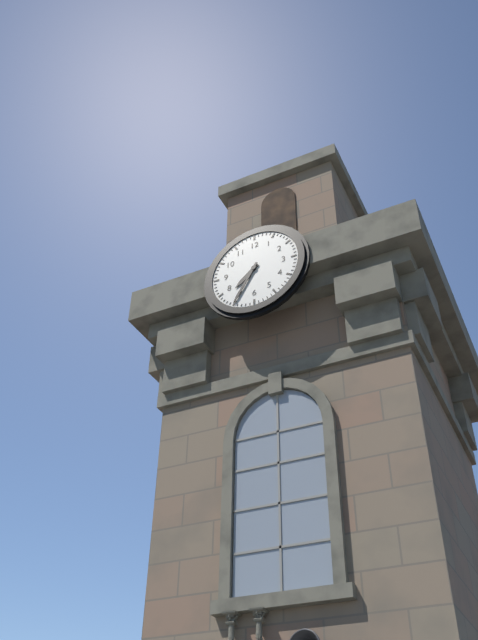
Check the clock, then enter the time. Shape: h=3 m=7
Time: h=7 m=35
